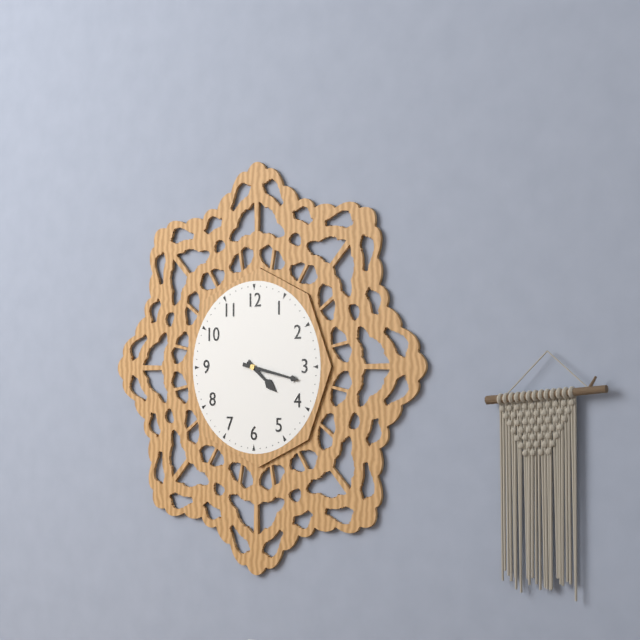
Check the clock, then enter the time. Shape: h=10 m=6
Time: h=4 m=17
